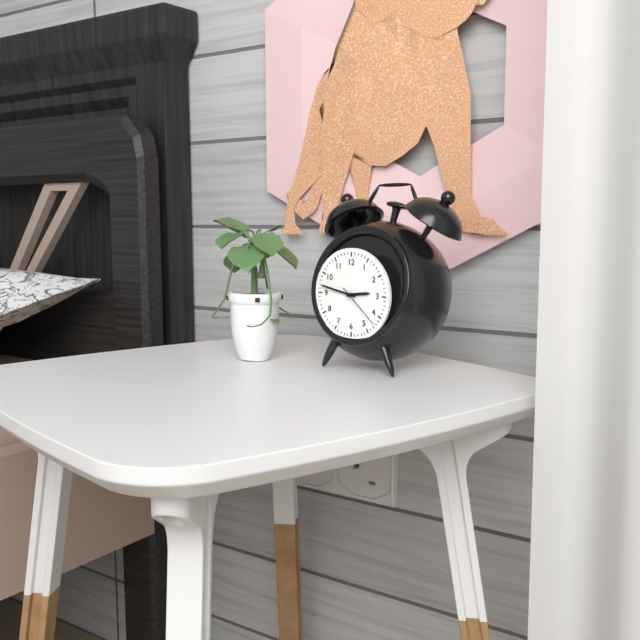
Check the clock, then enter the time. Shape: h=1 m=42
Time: h=2 m=47
